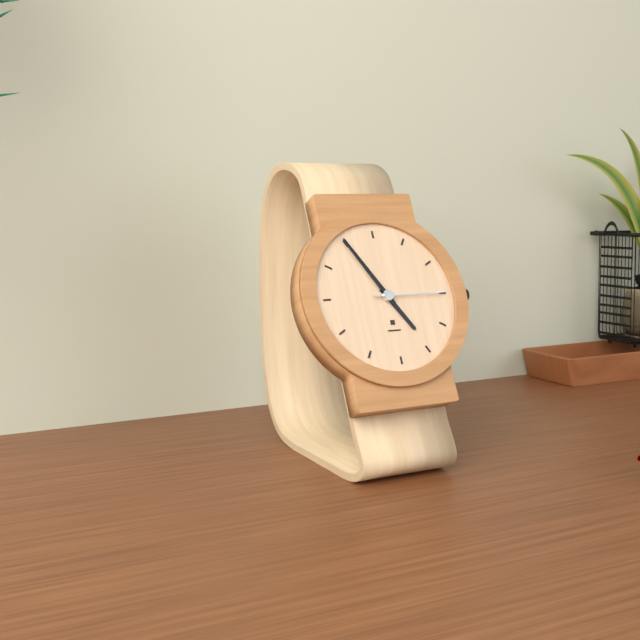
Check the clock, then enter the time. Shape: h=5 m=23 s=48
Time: h=4 m=55 s=15
